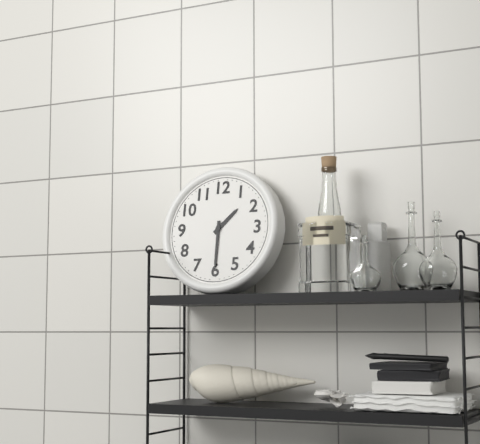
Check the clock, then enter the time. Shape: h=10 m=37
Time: h=1 m=30
